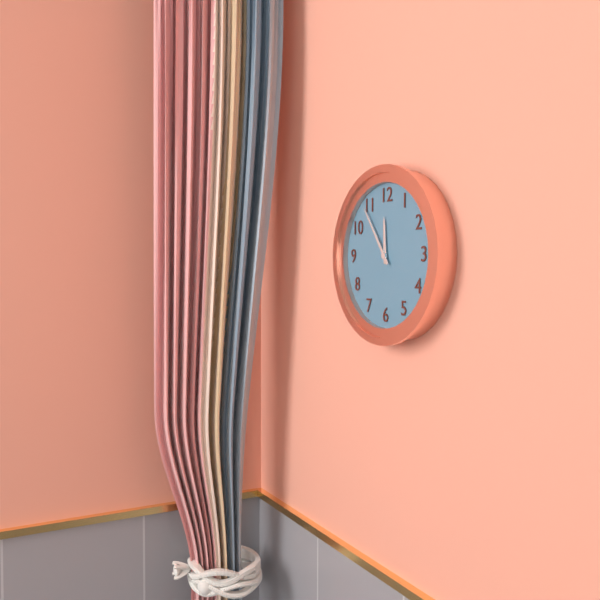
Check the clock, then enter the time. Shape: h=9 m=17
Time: h=11 m=54
